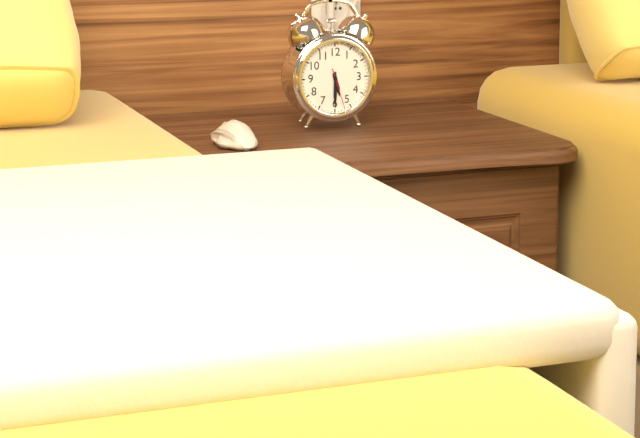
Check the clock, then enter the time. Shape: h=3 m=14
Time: h=5 m=30
